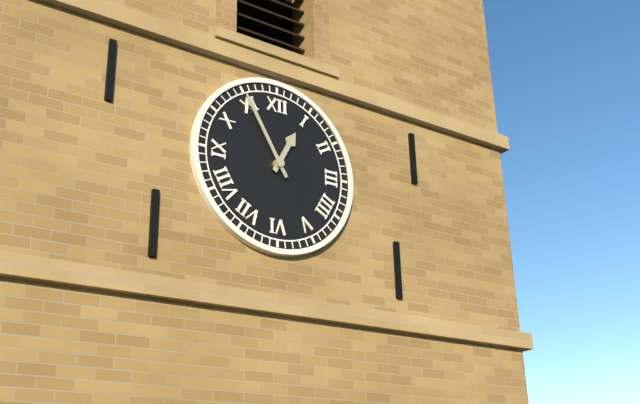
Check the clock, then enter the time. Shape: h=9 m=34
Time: h=12 m=55
